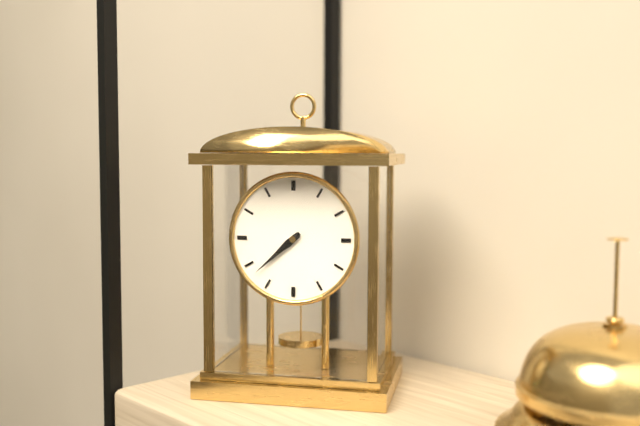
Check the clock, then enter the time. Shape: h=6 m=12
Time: h=7 m=38
